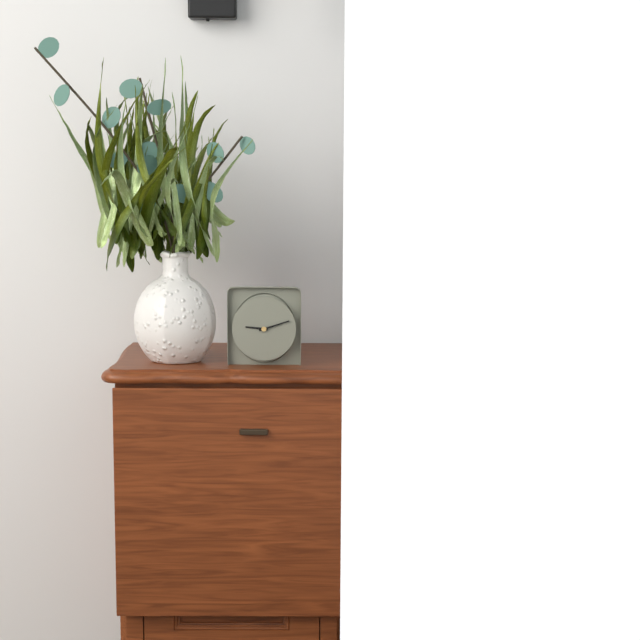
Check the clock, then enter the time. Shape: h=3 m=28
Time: h=9 m=12
